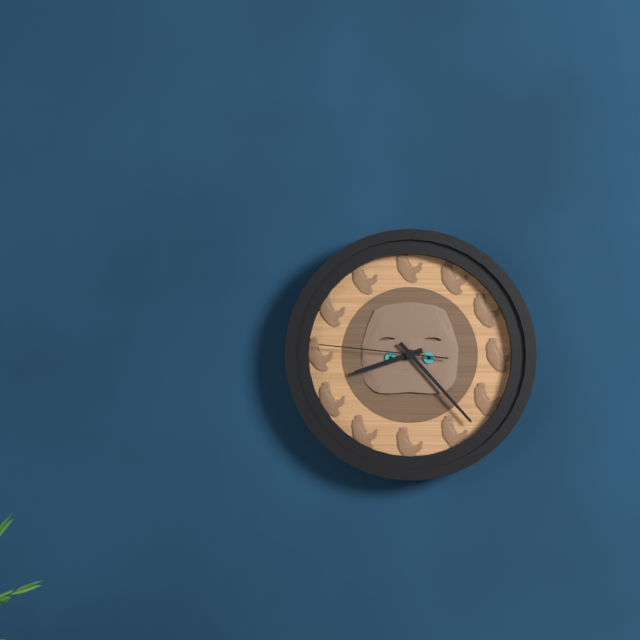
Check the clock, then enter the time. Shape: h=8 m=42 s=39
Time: h=8 m=23 s=46
